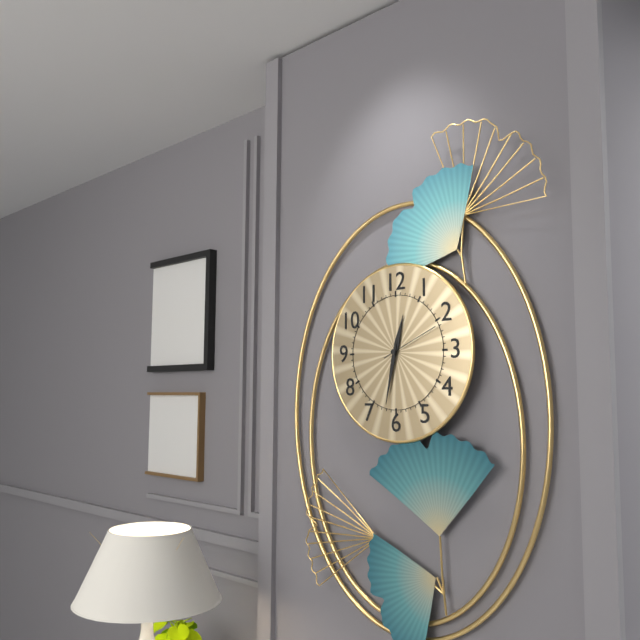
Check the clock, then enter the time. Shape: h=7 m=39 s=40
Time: h=12 m=32 s=11
